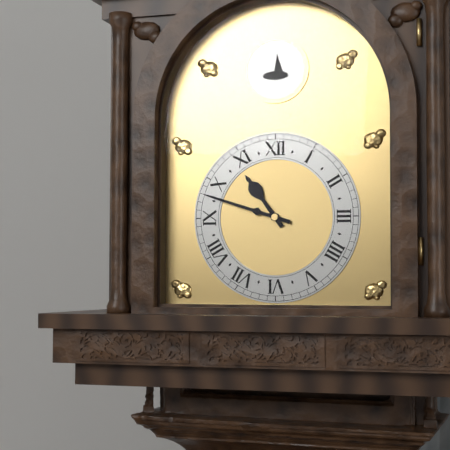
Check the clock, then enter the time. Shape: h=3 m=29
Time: h=10 m=48
